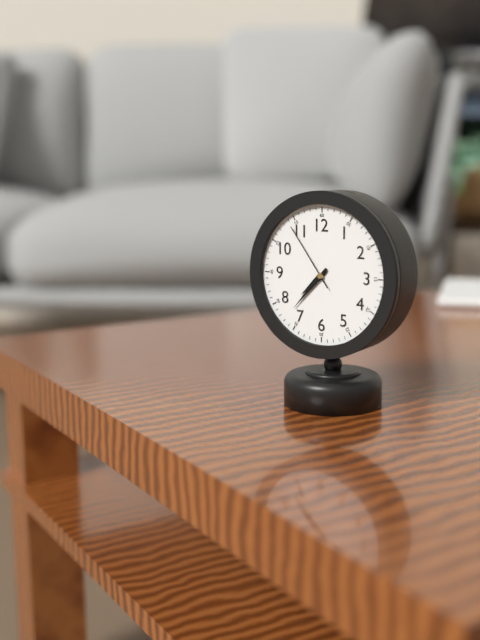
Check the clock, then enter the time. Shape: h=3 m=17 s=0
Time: h=7 m=37 s=54
